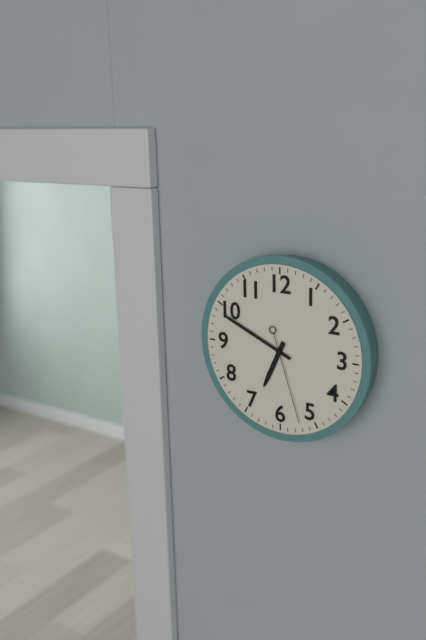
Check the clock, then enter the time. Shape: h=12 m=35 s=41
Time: h=6 m=49 s=27
